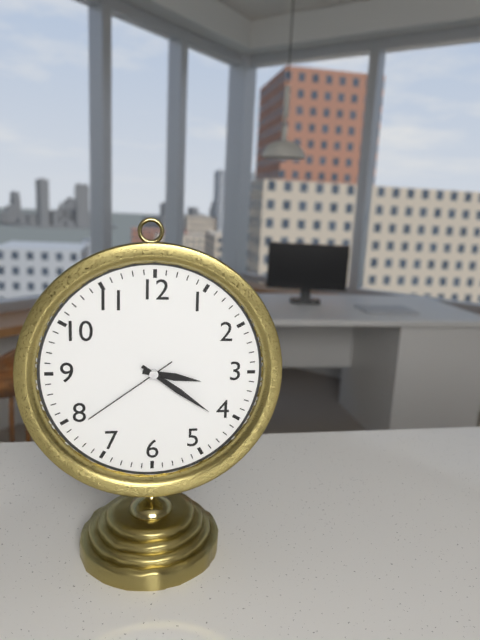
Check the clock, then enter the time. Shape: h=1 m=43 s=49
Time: h=3 m=21 s=39
